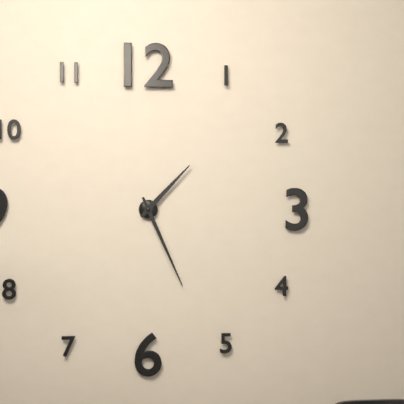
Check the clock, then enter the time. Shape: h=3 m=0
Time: h=1 m=26
